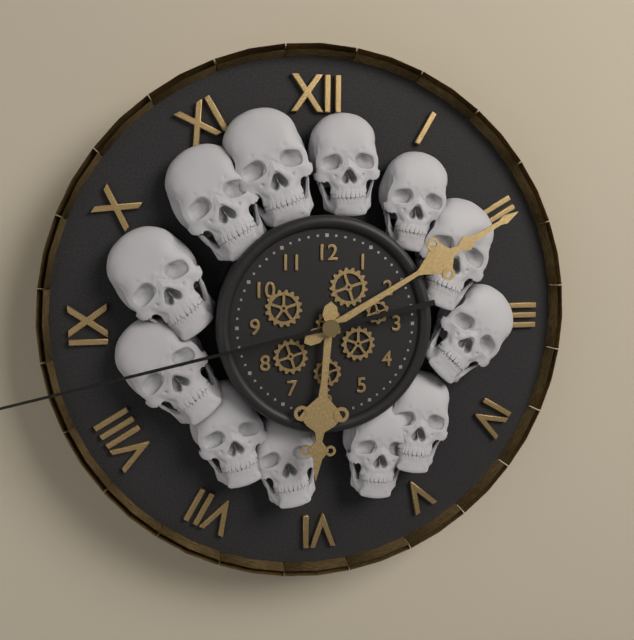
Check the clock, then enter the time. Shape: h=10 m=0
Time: h=6 m=10
